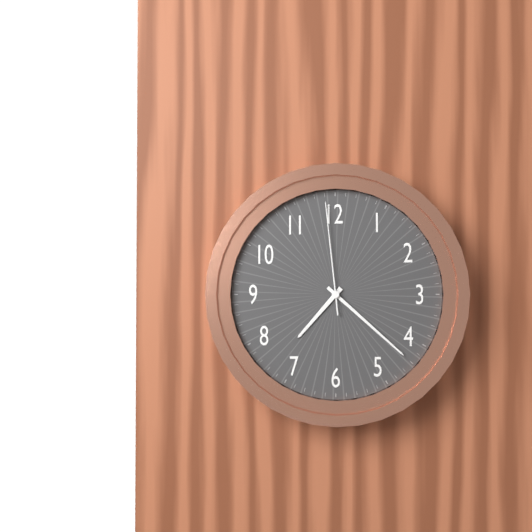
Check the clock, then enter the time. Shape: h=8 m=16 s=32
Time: h=7 m=22 s=59
